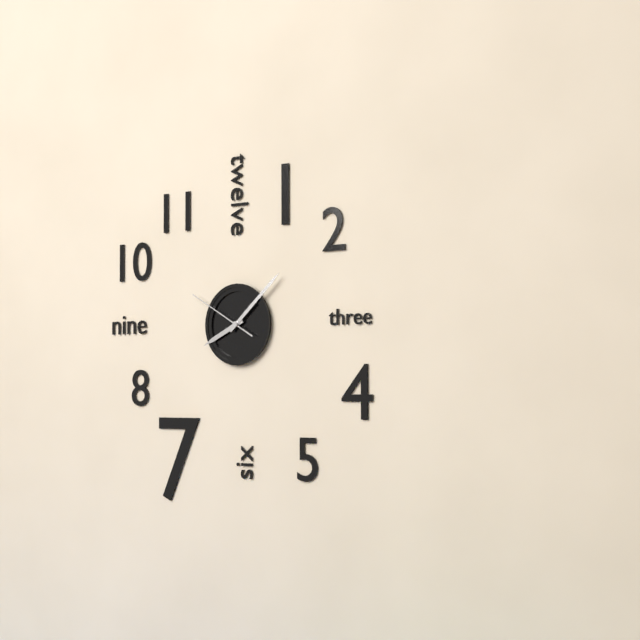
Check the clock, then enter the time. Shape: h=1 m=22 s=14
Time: h=8 m=8 s=50
